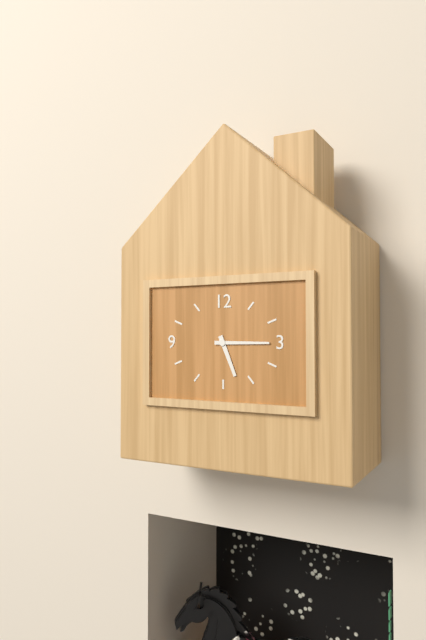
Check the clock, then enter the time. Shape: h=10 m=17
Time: h=5 m=15
